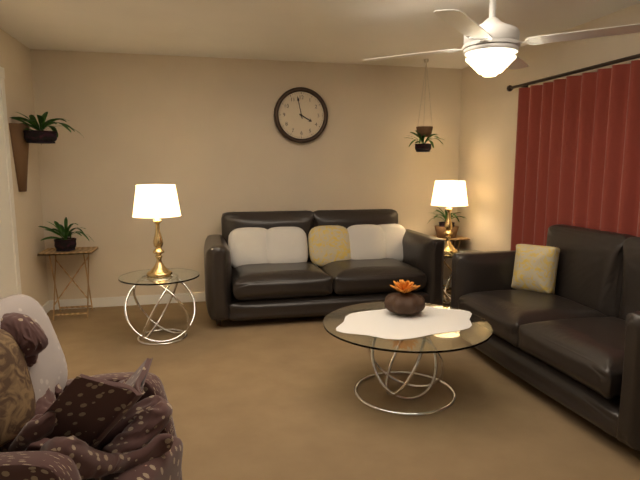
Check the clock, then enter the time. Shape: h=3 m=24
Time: h=3 m=58
